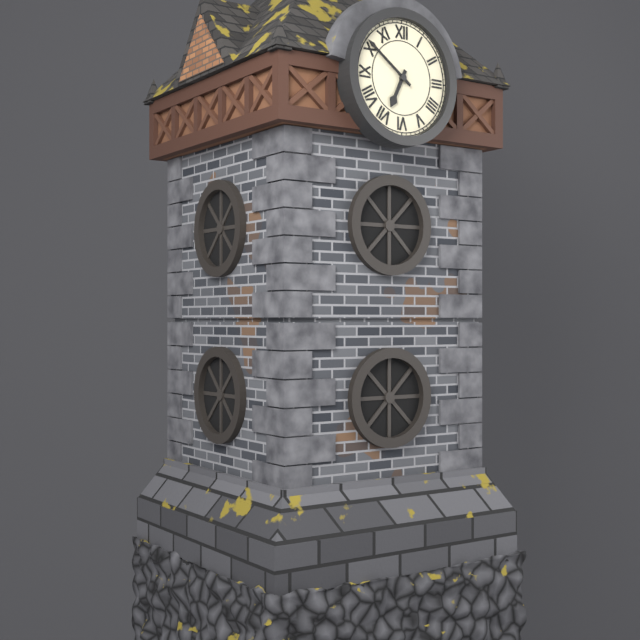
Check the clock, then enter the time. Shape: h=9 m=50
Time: h=6 m=51
